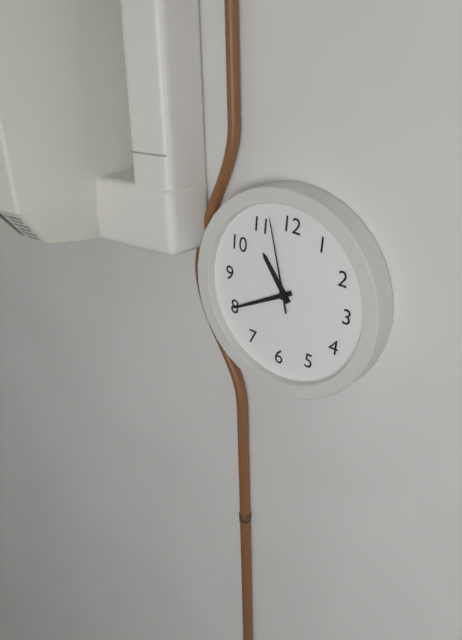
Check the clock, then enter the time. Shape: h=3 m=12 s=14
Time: h=10 m=40 s=57
